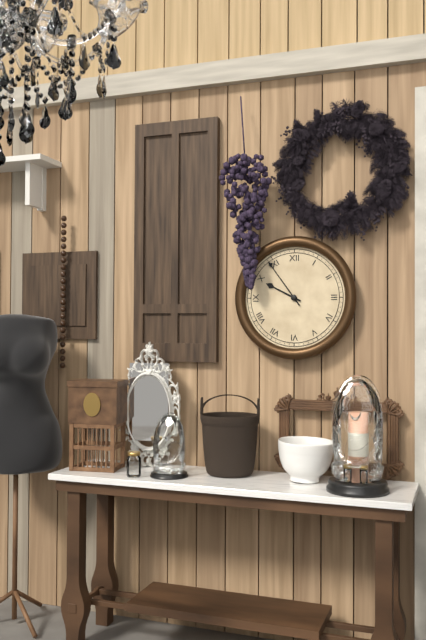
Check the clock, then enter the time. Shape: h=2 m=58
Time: h=9 m=54
